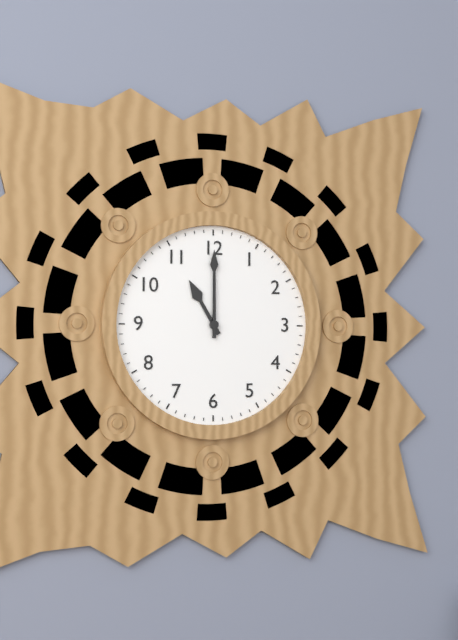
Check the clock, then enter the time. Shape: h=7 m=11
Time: h=11 m=0
